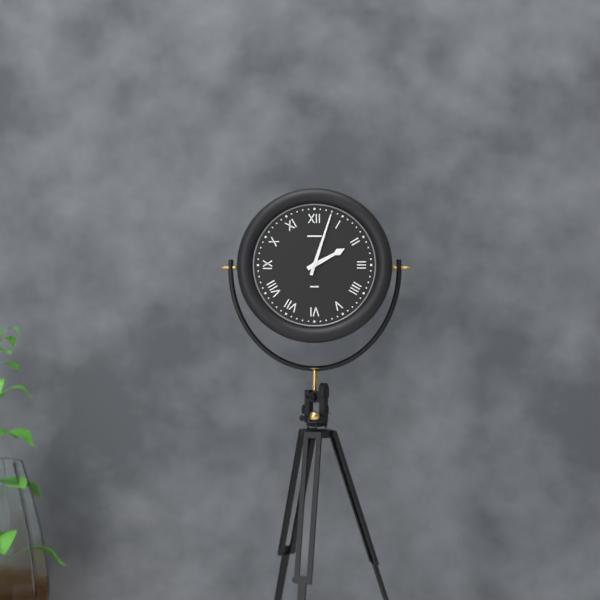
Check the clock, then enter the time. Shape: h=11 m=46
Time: h=2 m=3
